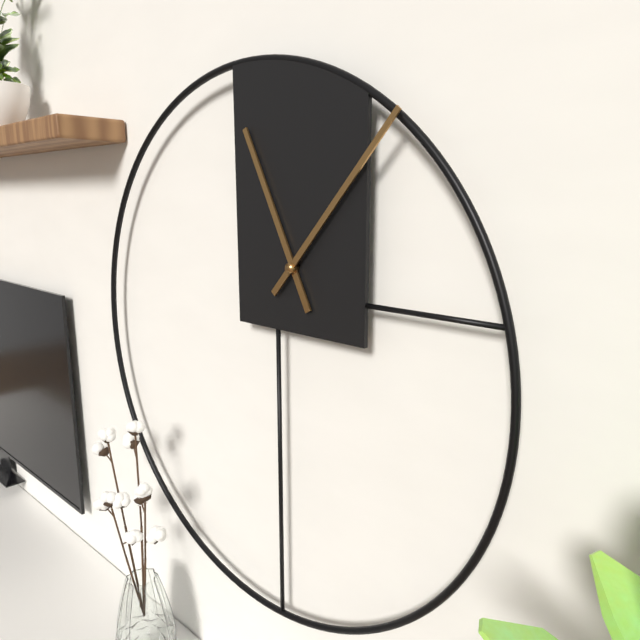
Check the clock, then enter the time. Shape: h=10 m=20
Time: h=11 m=7
